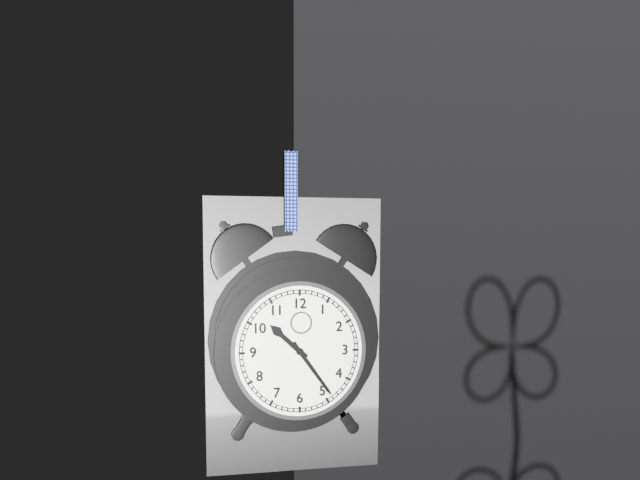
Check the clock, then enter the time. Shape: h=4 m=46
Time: h=10 m=24
